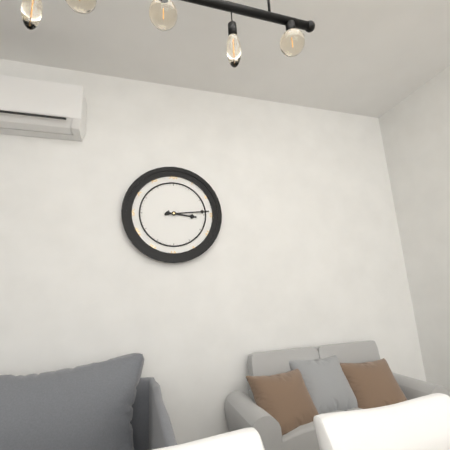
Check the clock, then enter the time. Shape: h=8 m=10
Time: h=3 m=14
